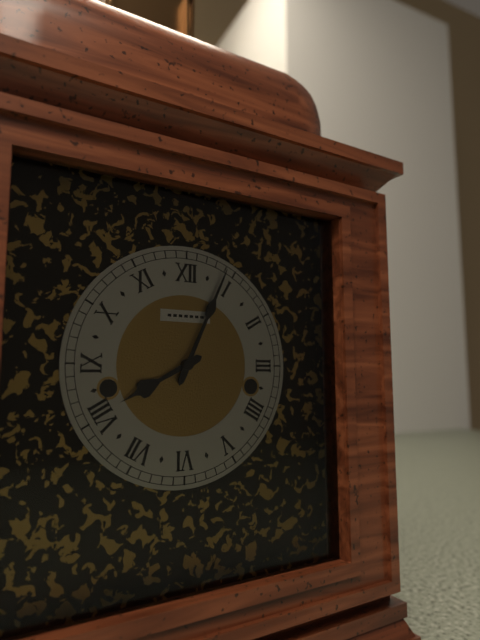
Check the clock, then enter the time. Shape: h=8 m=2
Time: h=8 m=4
